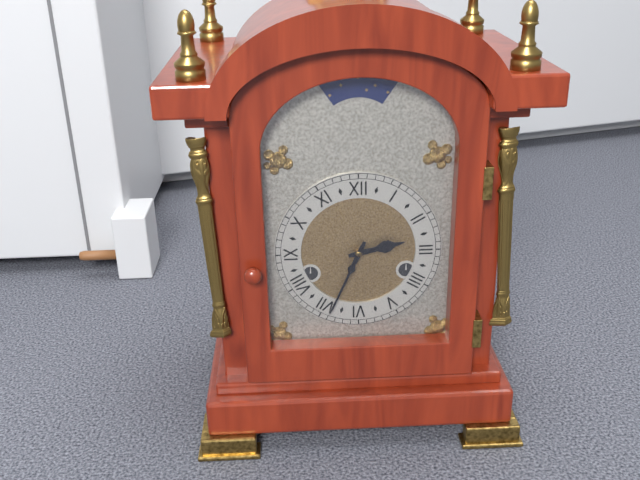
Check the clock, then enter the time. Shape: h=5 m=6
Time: h=2 m=34
